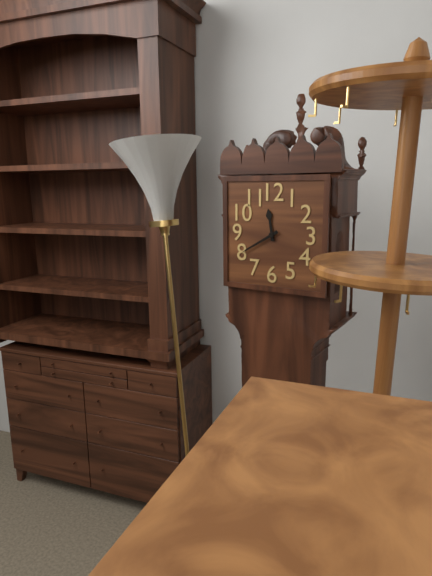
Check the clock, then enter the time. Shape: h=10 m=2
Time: h=11 m=40
